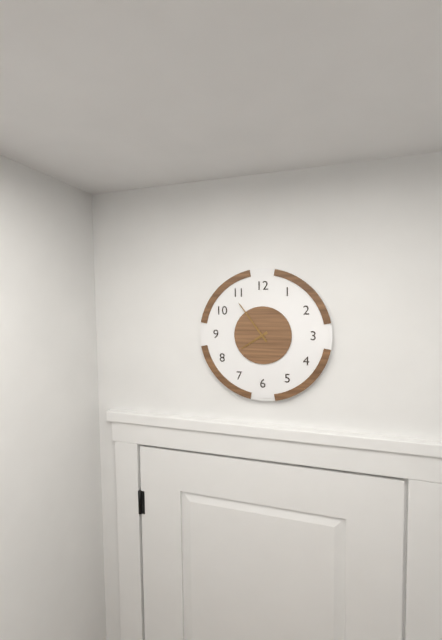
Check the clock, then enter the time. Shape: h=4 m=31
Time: h=7 m=54
